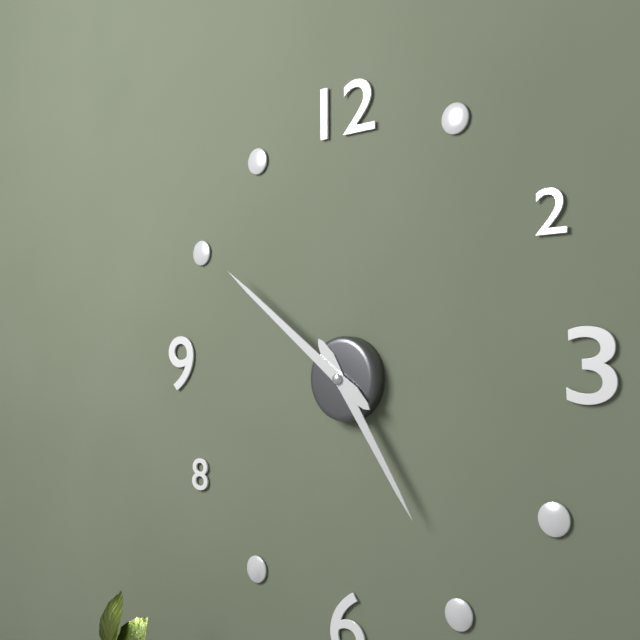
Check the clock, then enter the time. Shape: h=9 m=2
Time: h=4 m=51
